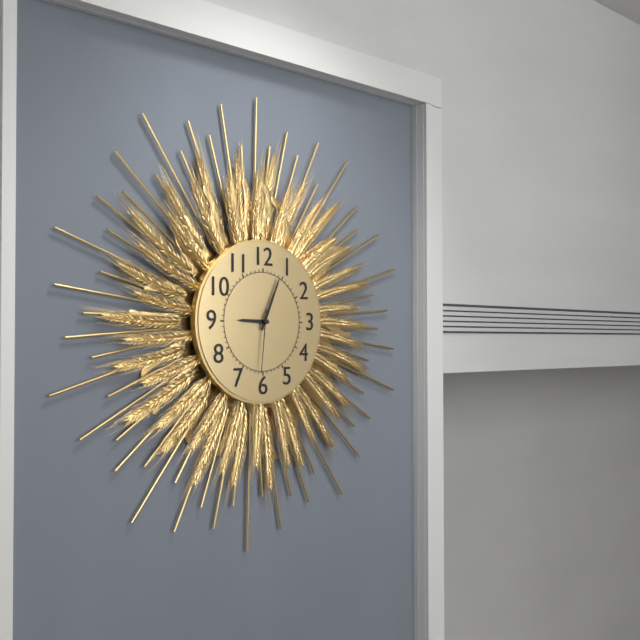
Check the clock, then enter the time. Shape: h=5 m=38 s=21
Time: h=9 m=4 s=31
